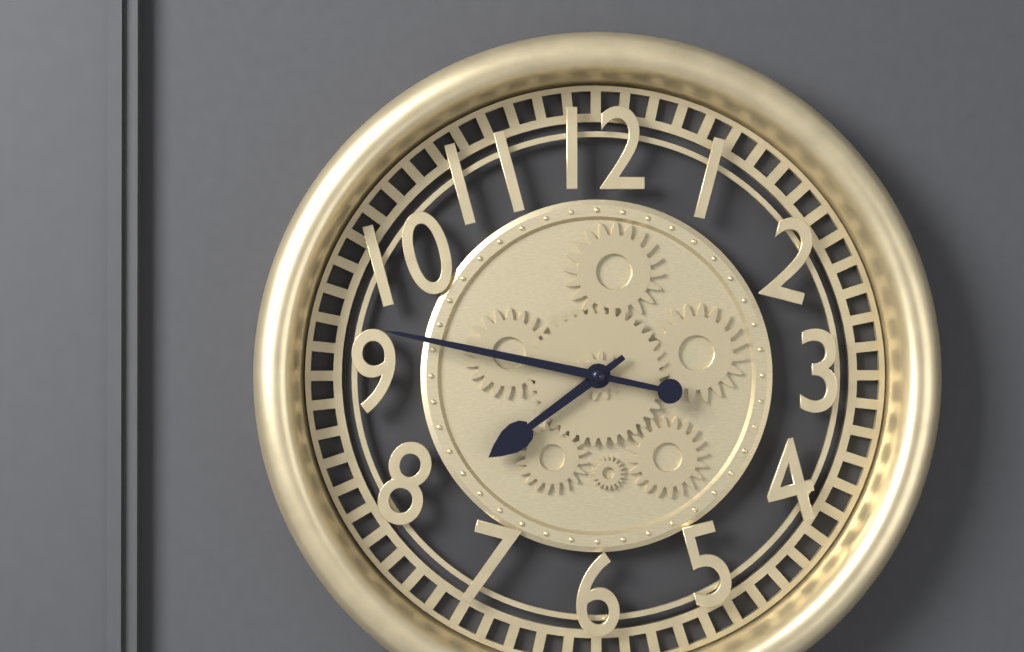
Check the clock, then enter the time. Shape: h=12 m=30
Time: h=7 m=47
